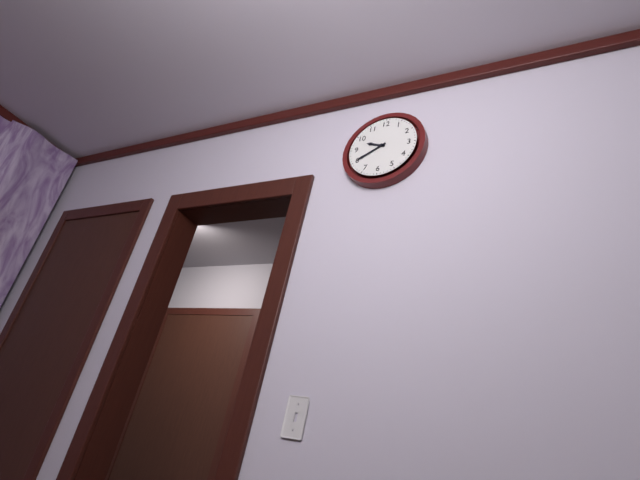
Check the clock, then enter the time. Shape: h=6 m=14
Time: h=9 m=40
